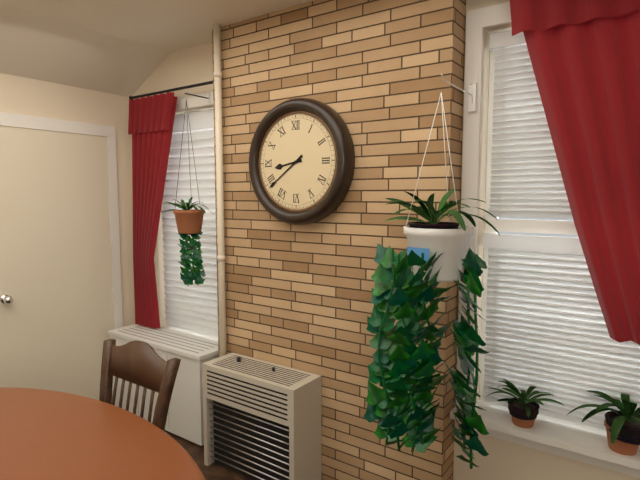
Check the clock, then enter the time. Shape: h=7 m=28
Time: h=8 m=39
